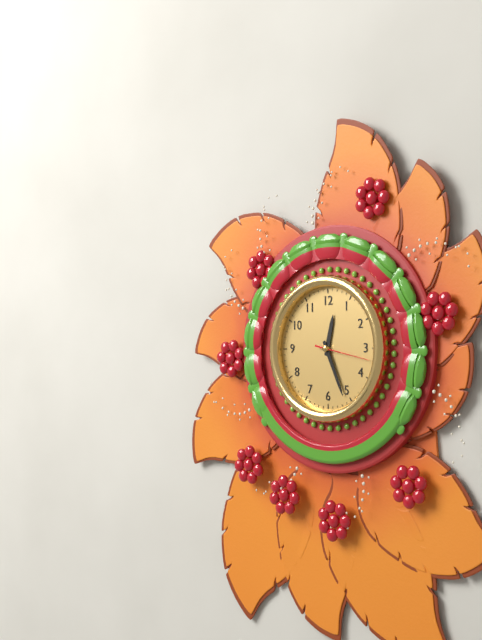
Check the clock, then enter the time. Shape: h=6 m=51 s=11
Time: h=12 m=26 s=17
